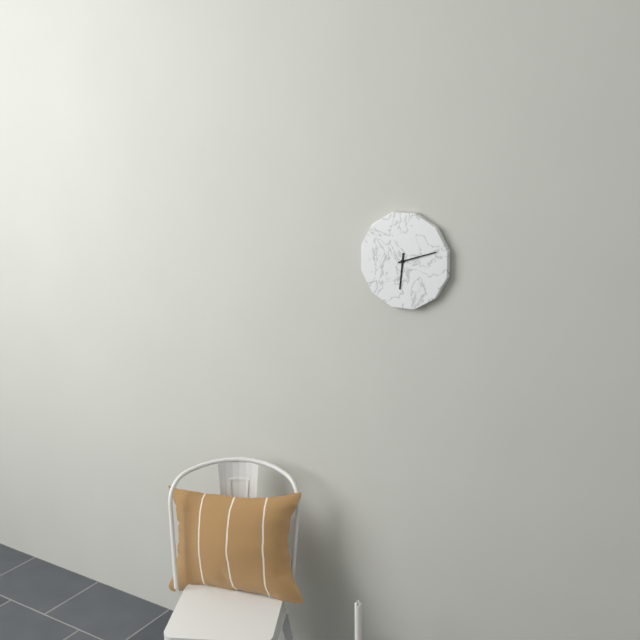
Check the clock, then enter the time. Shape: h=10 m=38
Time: h=6 m=12
